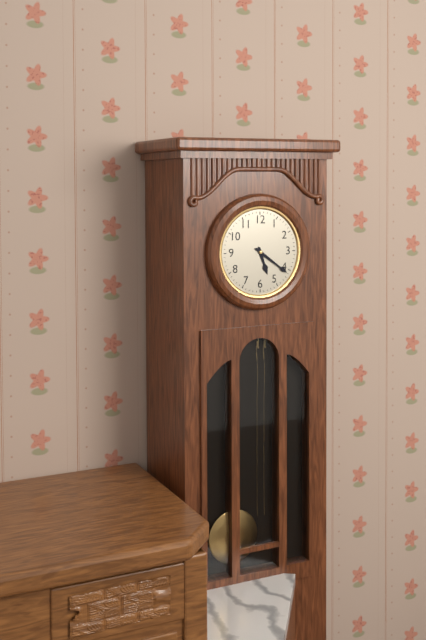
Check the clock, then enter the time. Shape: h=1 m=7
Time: h=5 m=21
